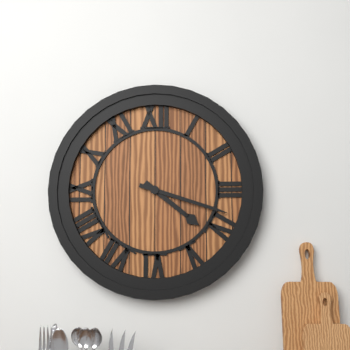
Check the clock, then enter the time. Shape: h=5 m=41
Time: h=4 m=18
